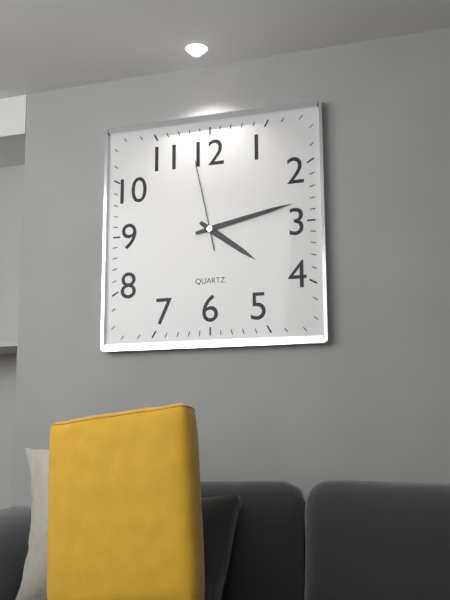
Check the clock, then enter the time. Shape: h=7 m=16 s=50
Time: h=4 m=13 s=58
